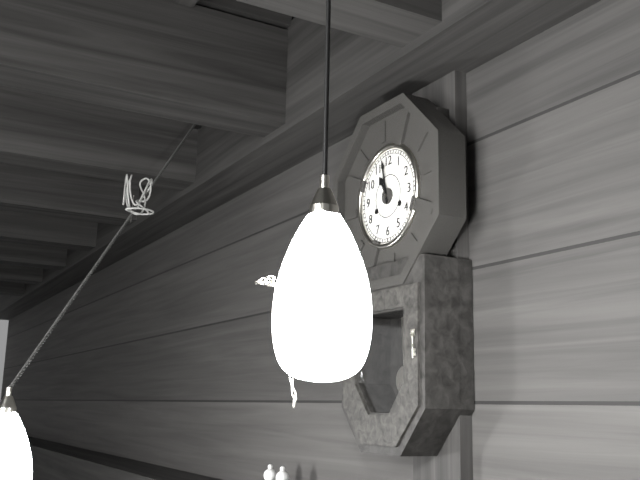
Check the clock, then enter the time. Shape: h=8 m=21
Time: h=10 m=58
